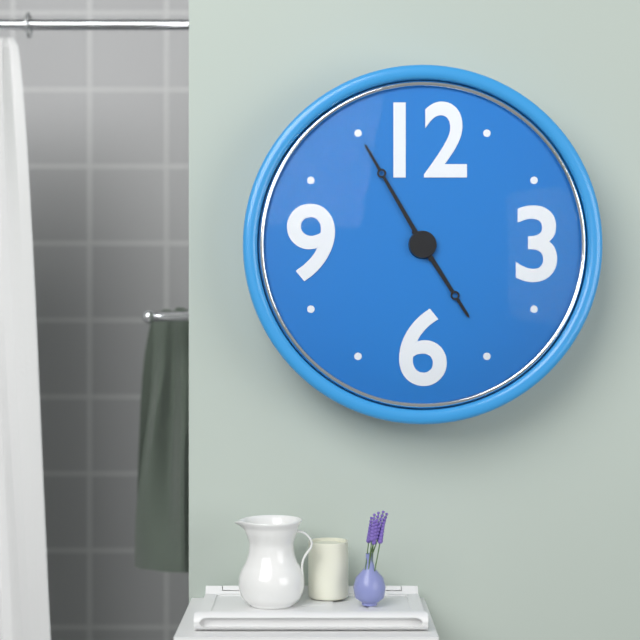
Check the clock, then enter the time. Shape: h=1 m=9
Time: h=4 m=55
